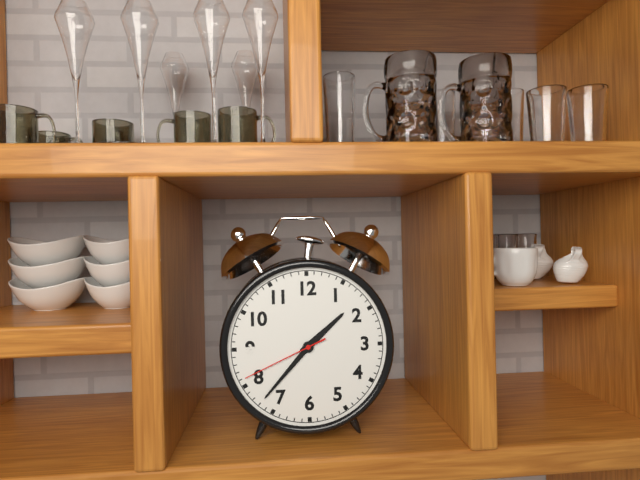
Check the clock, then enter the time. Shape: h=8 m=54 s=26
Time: h=1 m=37 s=41
